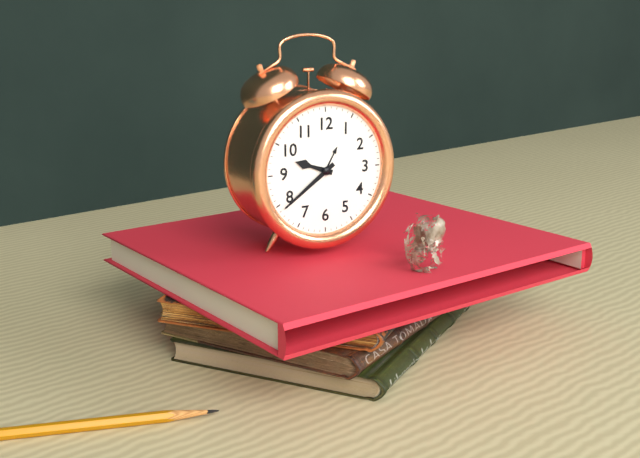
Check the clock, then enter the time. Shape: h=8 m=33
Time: h=9 m=39
